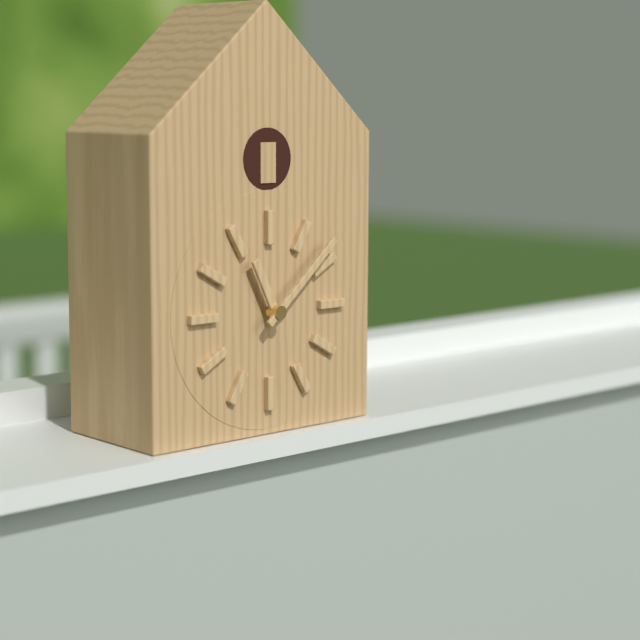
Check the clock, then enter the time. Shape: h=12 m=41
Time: h=11 m=8
